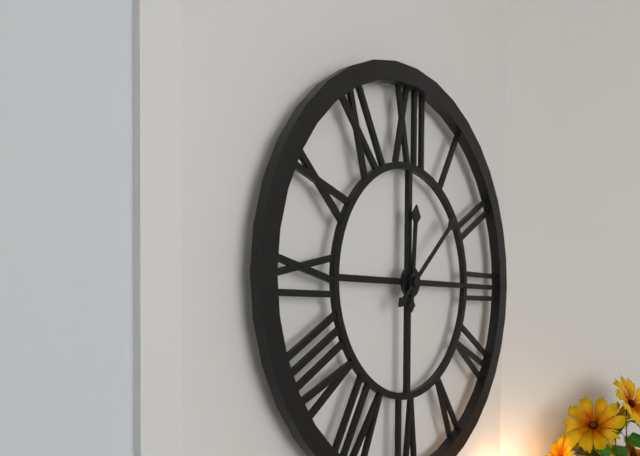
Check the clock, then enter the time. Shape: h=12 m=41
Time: h=12 m=8
